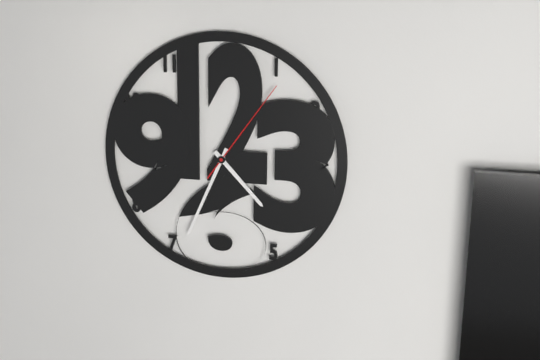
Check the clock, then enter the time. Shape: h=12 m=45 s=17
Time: h=4 m=34 s=6
